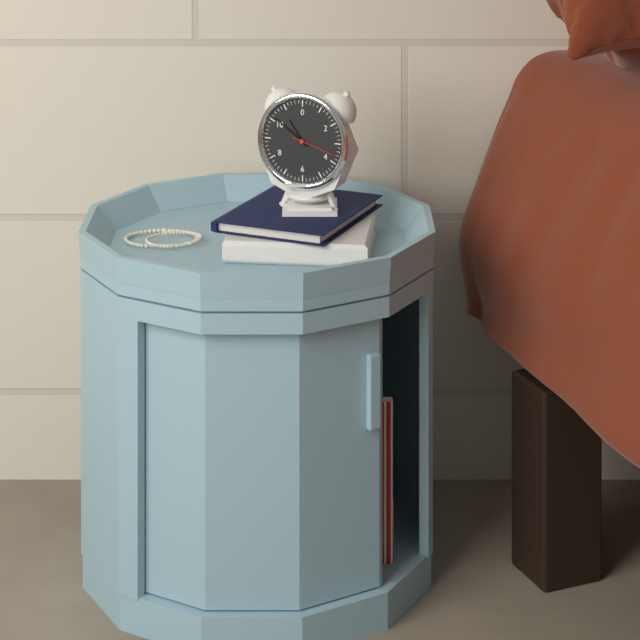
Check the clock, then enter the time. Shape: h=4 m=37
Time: h=10 m=51
